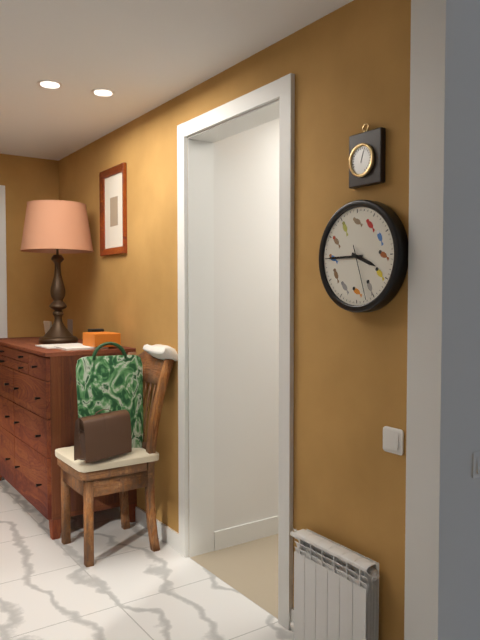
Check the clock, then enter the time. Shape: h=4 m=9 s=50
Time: h=3 m=45 s=27
